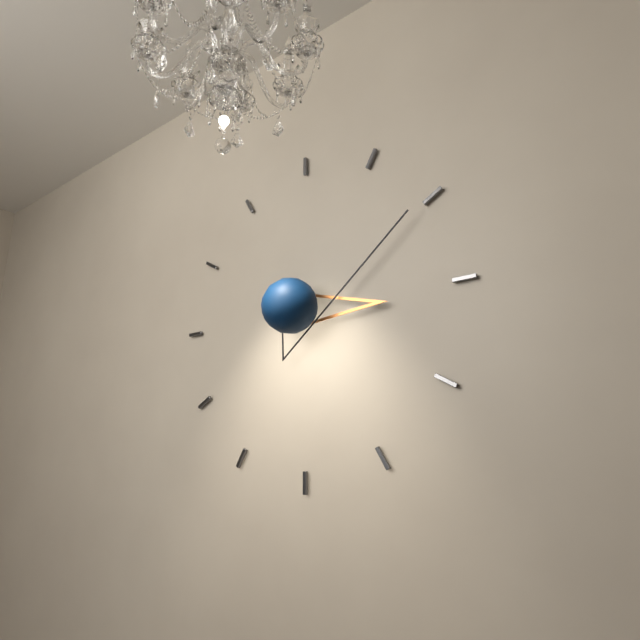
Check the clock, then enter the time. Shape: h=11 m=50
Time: h=3 m=10
